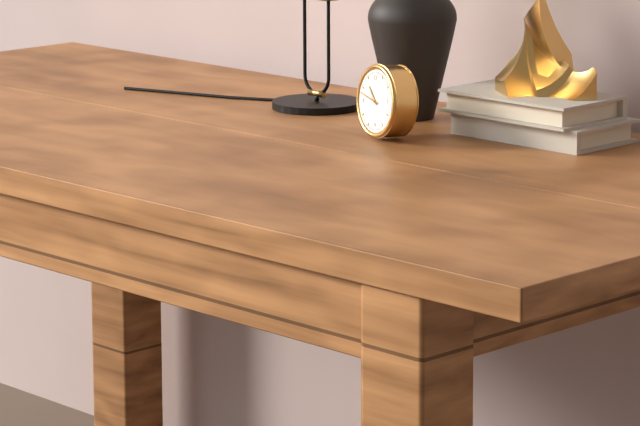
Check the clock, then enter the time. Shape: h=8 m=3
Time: h=10 m=48
